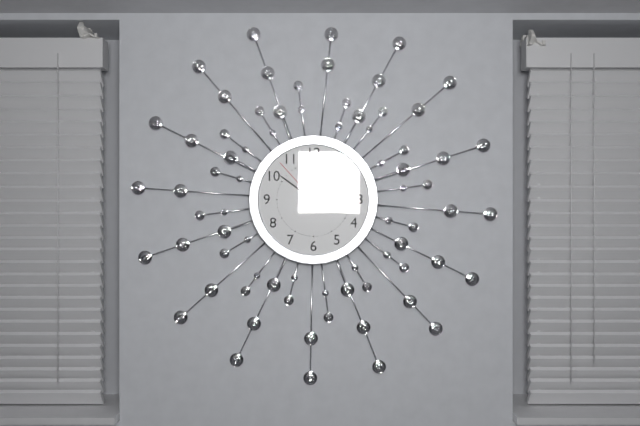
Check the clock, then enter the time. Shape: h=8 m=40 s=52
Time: h=1 m=51 s=53
